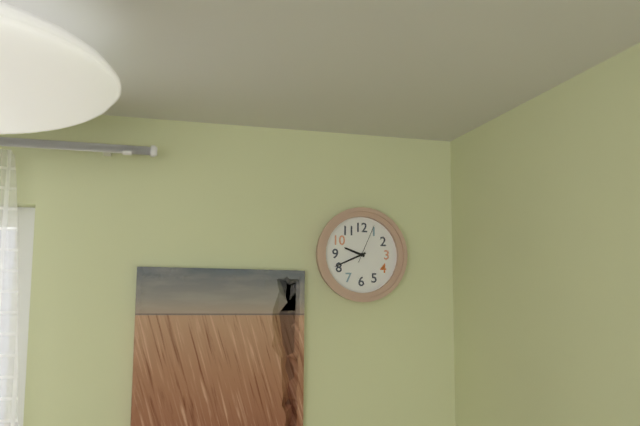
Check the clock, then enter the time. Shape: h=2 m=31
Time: h=9 m=41
